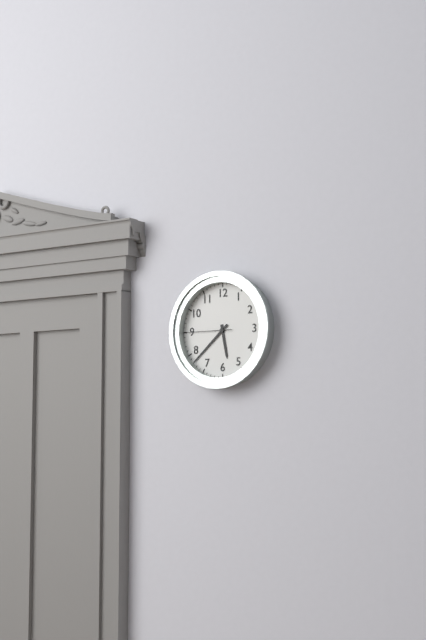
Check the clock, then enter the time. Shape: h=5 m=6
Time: h=5 m=38
